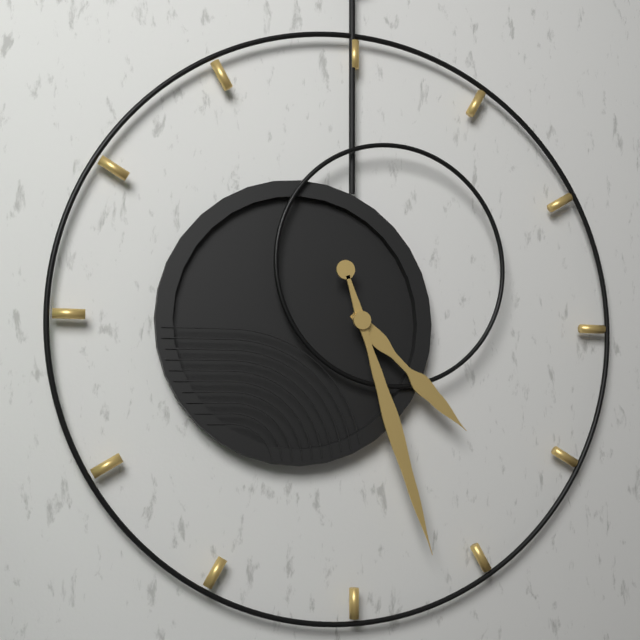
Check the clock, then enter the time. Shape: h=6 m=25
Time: h=4 m=27
